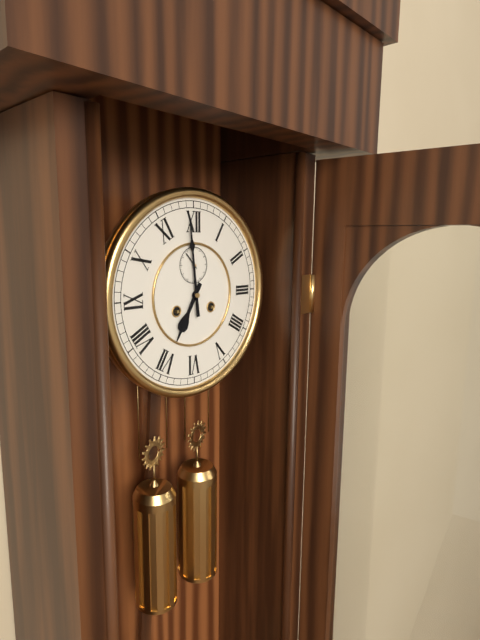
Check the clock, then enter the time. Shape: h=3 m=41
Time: h=6 m=59
